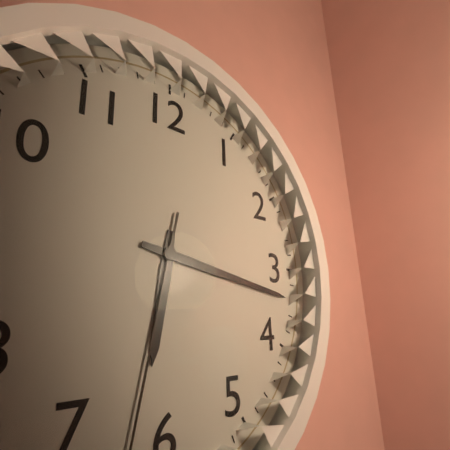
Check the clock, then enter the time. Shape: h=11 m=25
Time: h=6 m=17
